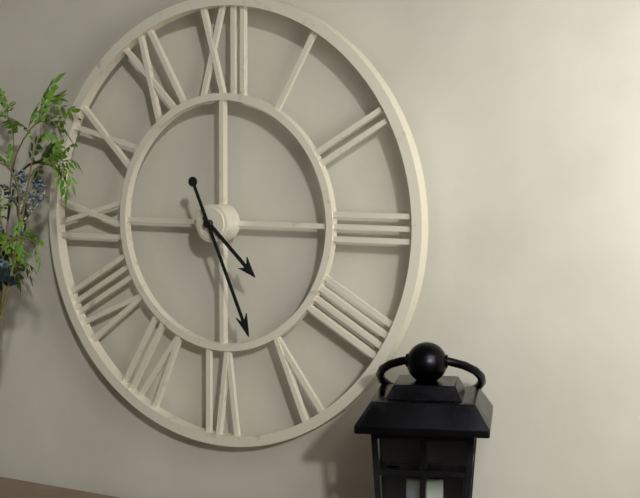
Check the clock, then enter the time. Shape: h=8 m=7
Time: h=4 m=26
